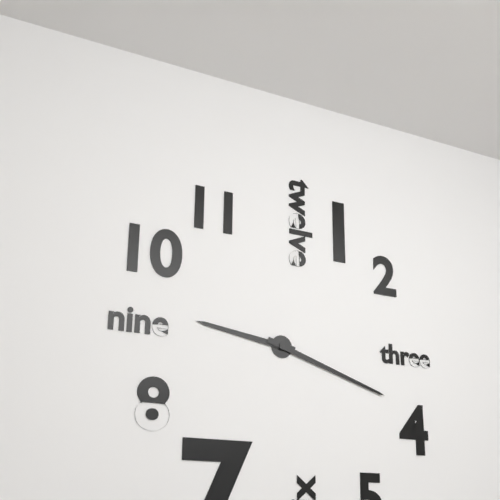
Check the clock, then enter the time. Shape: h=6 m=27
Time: h=9 m=18
